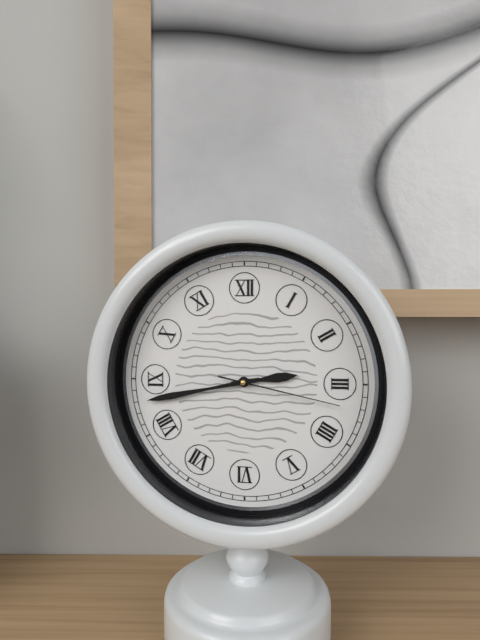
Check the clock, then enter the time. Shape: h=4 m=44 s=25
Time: h=2 m=43 s=17
